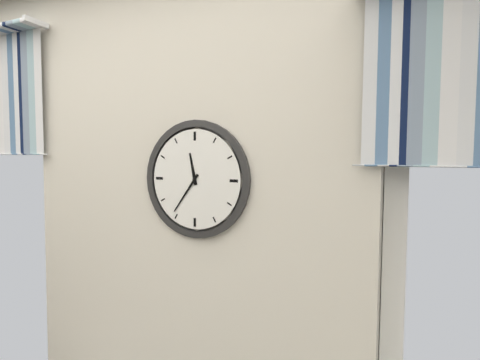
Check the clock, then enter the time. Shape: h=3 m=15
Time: h=11 m=36
